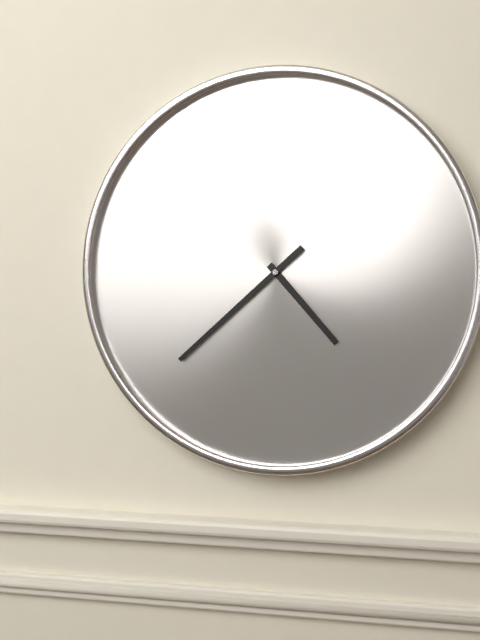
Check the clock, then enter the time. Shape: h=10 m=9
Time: h=4 m=38
